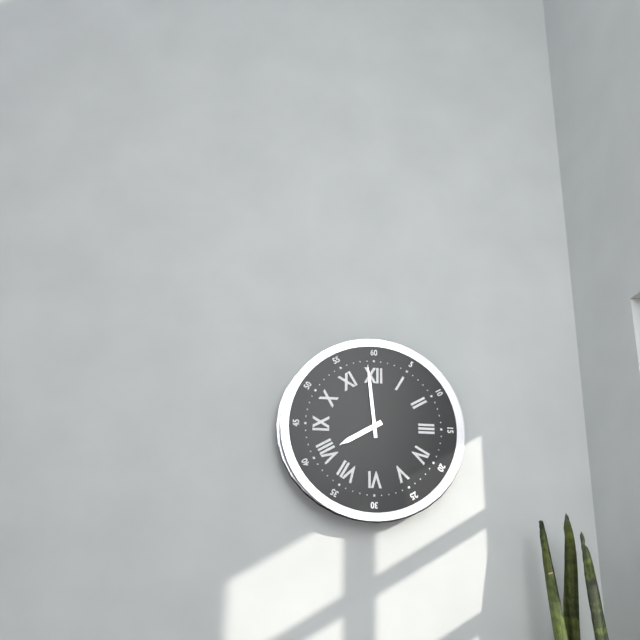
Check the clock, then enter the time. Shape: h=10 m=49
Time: h=7 m=59
